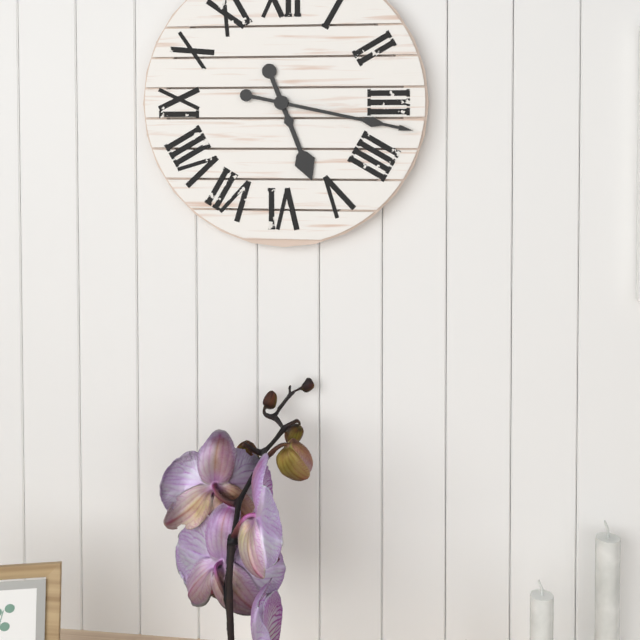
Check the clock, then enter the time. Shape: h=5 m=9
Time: h=5 m=17
